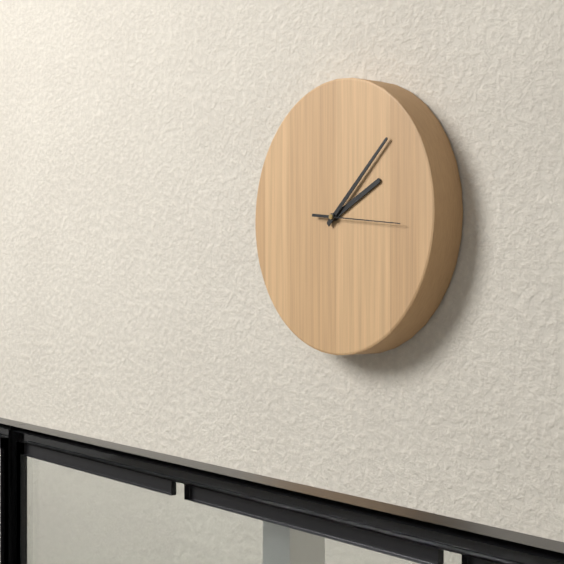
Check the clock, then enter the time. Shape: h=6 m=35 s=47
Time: h=2 m=8 s=16
